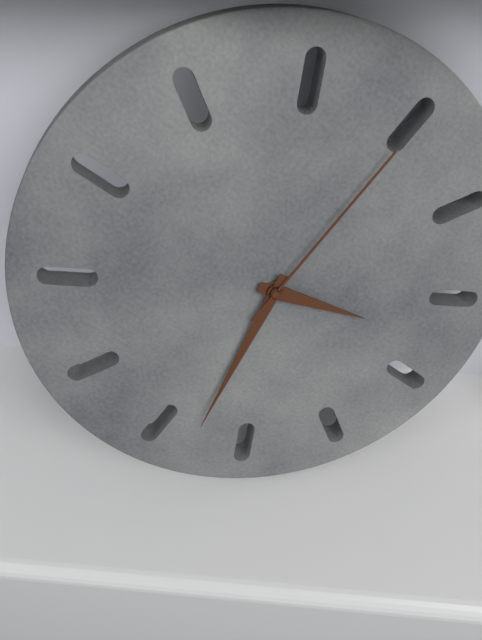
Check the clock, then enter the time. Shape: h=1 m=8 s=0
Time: h=2 m=28 s=0
